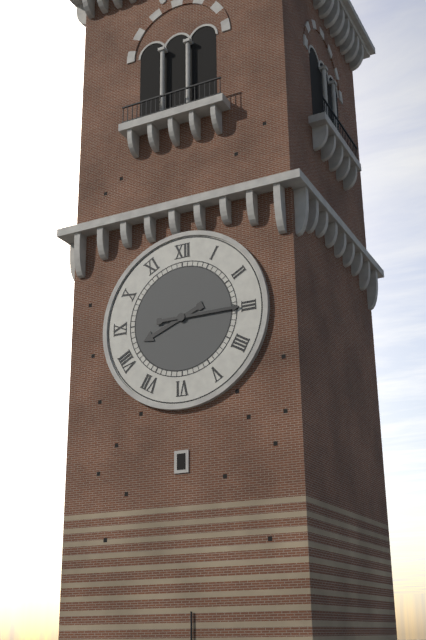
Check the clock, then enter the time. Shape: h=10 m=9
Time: h=8 m=15
